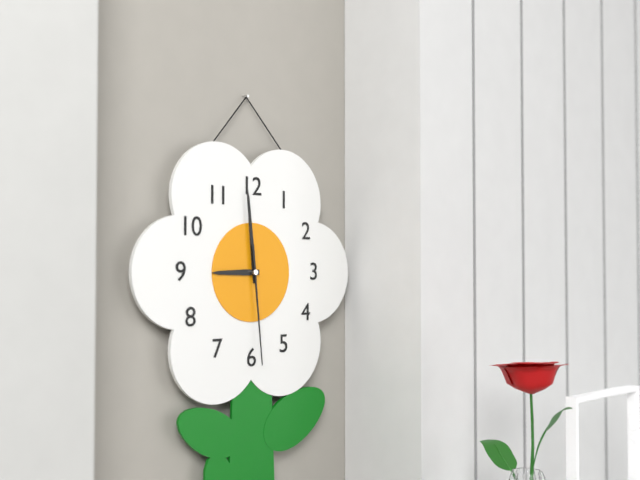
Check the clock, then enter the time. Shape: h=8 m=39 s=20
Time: h=8 m=59 s=29
